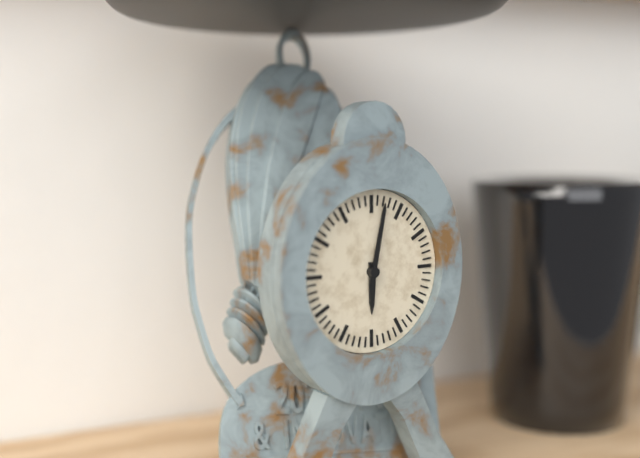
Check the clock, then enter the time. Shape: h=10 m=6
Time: h=6 m=2
